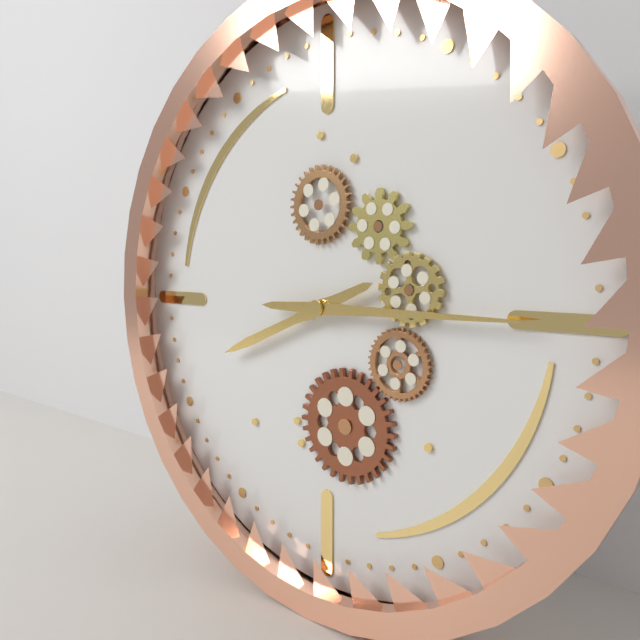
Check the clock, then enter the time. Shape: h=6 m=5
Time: h=8 m=15
